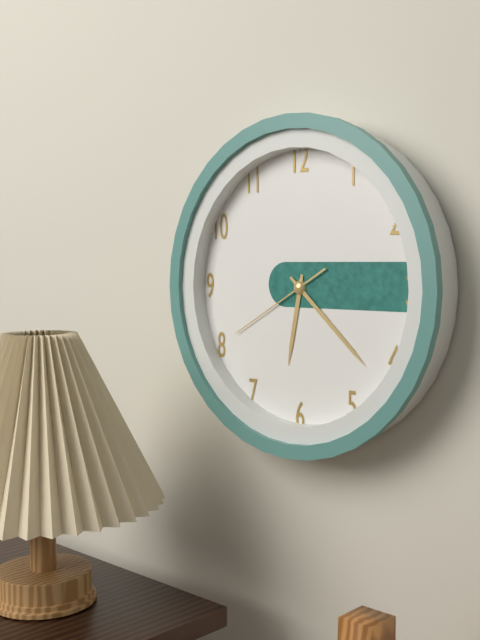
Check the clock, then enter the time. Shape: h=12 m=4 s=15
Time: h=6 m=22 s=40
